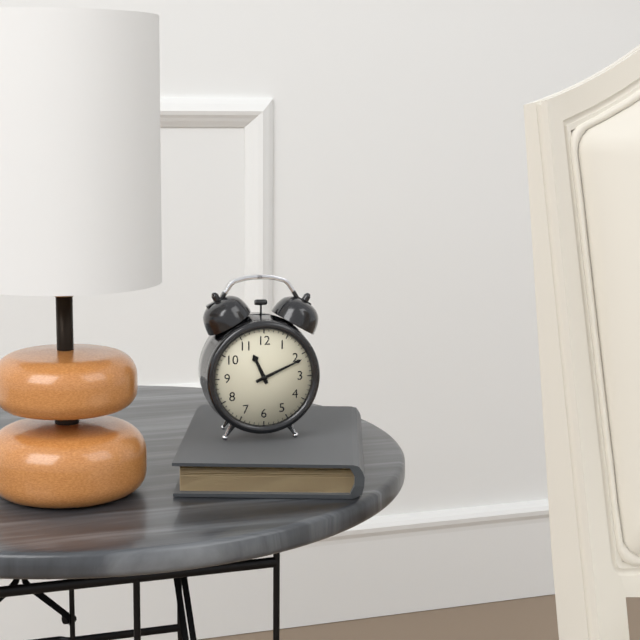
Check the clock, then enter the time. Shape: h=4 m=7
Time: h=11 m=11
